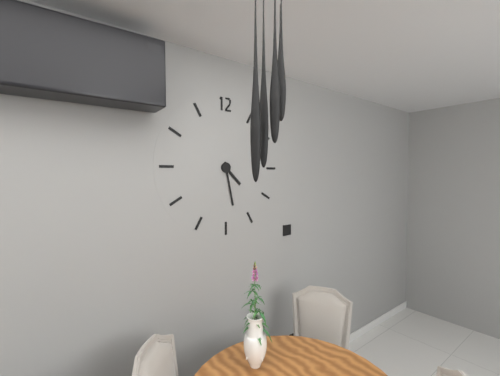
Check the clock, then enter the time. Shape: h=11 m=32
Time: h=4 m=28
